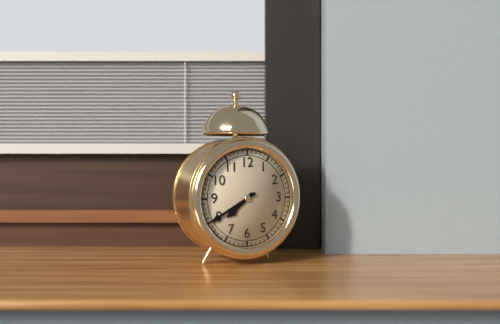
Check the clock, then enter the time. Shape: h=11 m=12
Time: h=7 m=40
